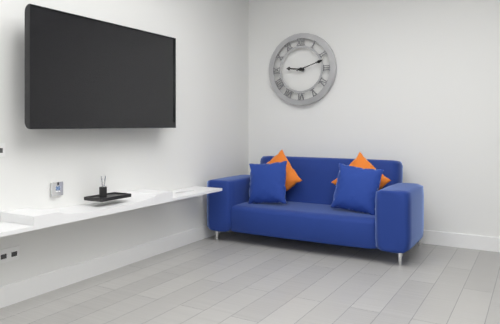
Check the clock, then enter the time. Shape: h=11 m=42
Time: h=9 m=12
